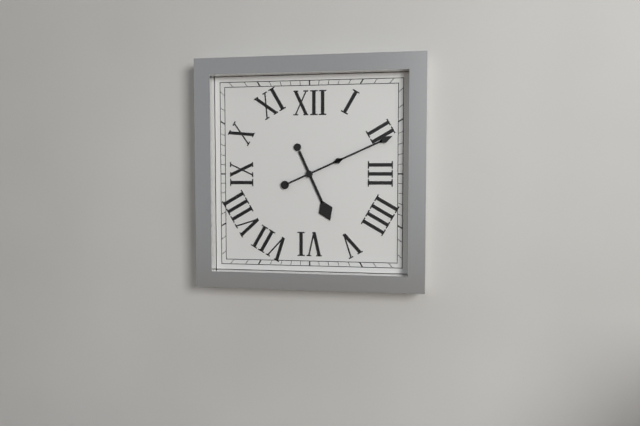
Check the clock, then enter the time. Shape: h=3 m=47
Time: h=5 m=11
